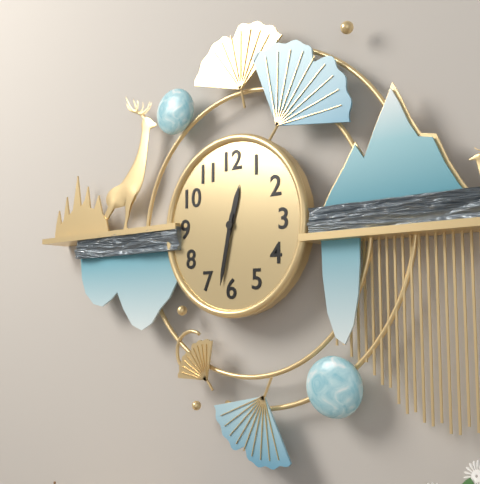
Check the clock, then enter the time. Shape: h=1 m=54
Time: h=12 m=32
